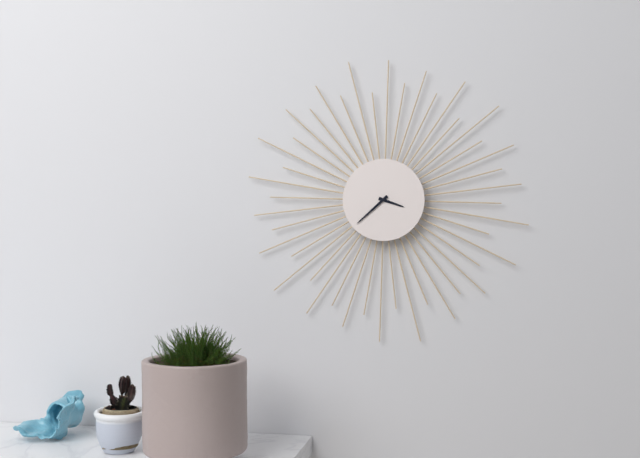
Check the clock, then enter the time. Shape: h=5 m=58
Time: h=3 m=38
